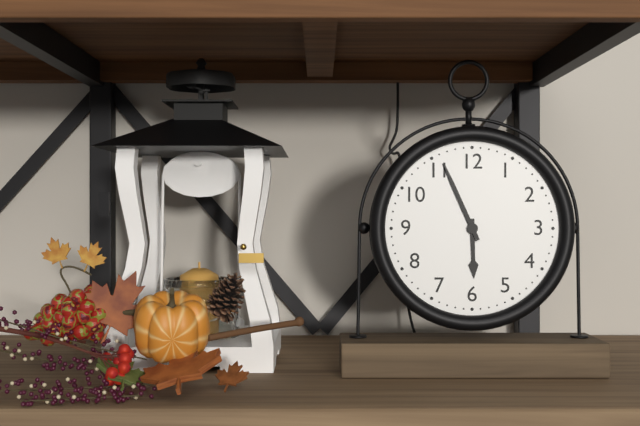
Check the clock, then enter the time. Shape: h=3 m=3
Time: h=5 m=56
